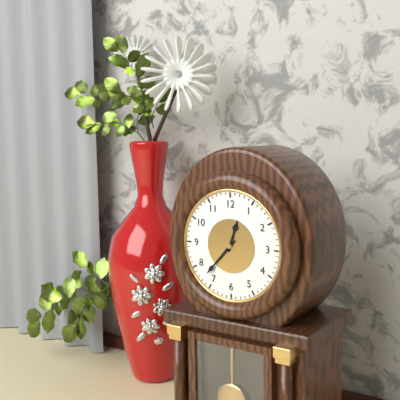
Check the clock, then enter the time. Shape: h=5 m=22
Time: h=12 m=37
